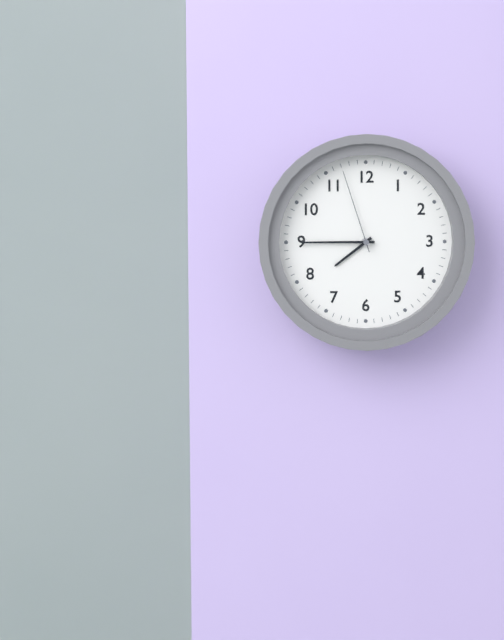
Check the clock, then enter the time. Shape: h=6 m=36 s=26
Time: h=7 m=45 s=57
